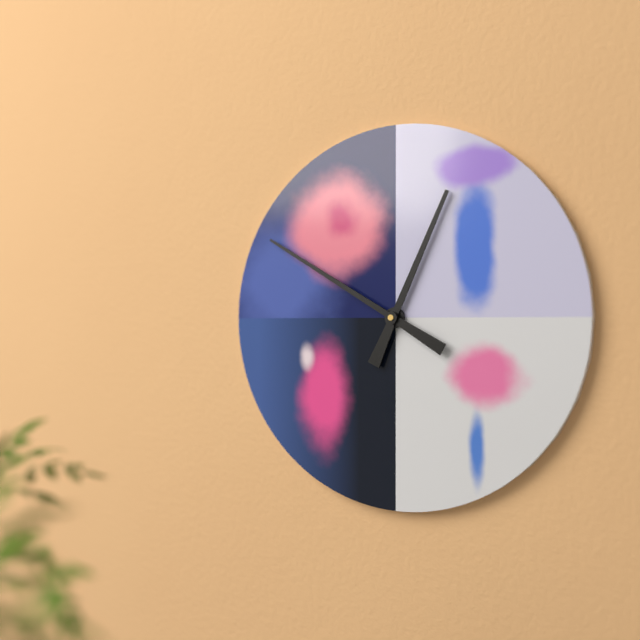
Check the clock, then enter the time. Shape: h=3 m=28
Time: h=12 m=50
